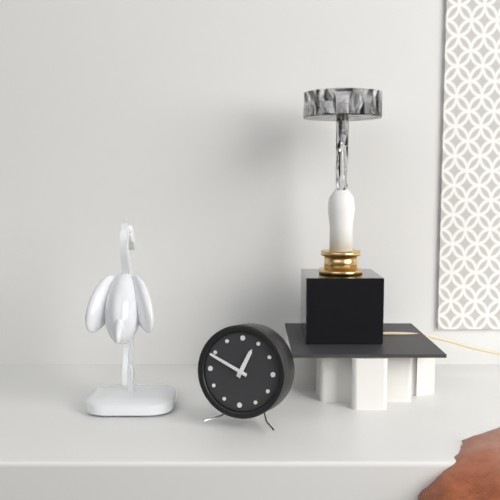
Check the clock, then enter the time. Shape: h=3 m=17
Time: h=12 m=49
